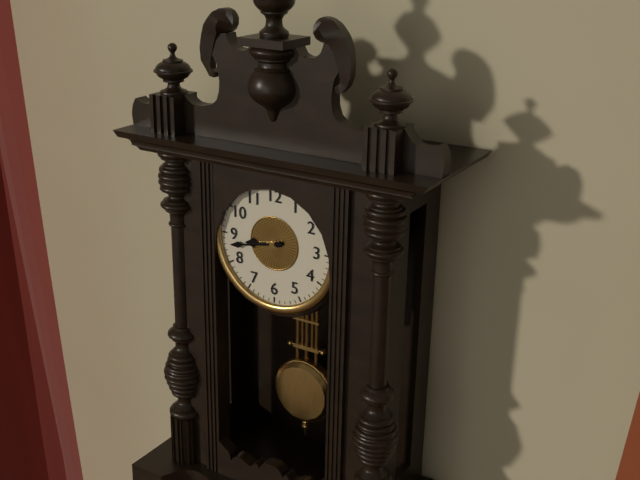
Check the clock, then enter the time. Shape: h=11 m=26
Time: h=8 m=43
